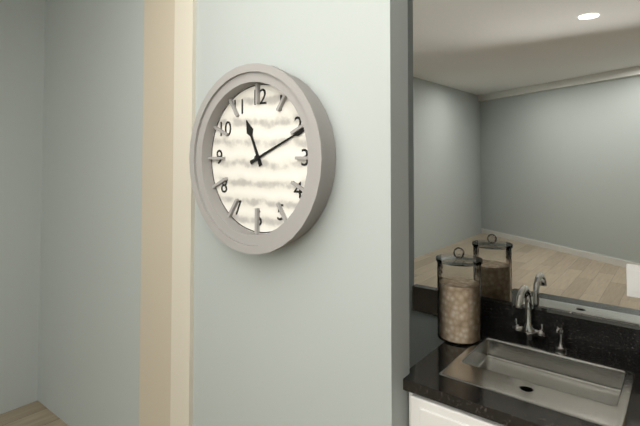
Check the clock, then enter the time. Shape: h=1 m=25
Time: h=11 m=11
